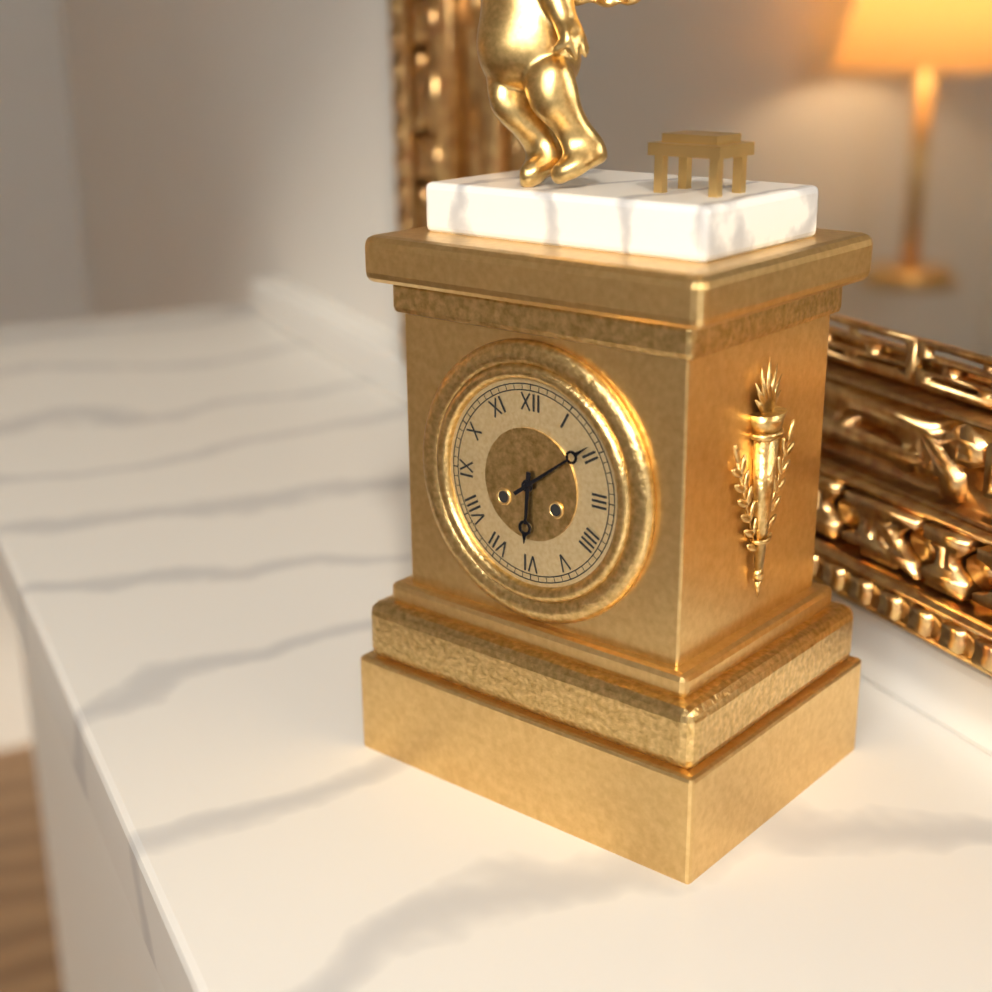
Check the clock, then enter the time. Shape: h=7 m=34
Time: h=6 m=9
